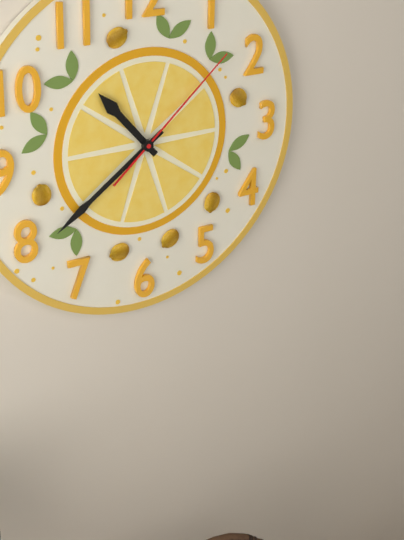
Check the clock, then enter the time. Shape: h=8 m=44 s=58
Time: h=10 m=39 s=8
